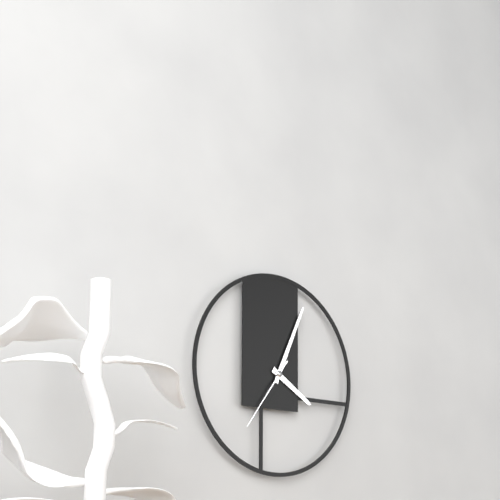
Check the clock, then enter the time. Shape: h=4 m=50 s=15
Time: h=4 m=4 s=36
